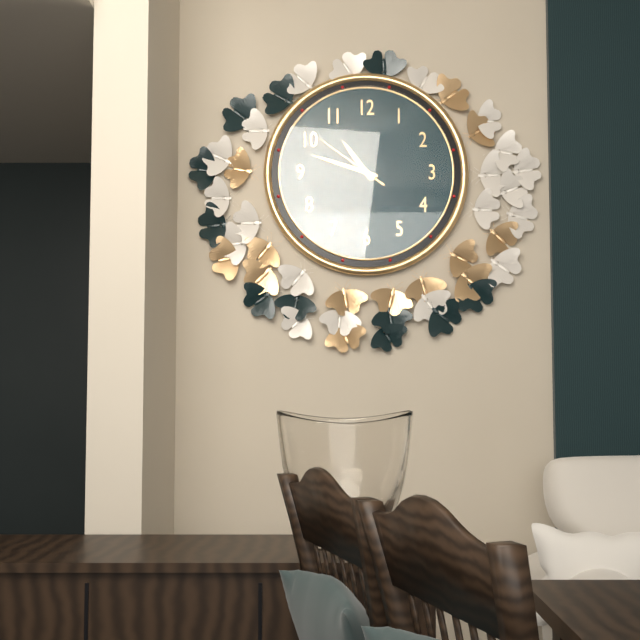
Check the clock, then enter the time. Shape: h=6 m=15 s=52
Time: h=10 m=48 s=51
